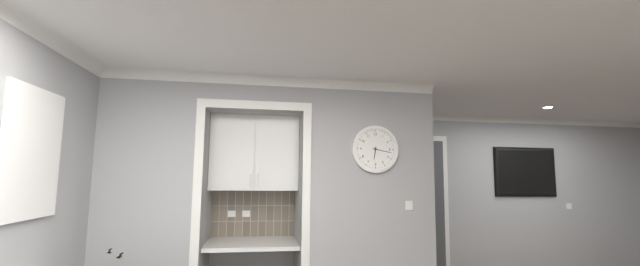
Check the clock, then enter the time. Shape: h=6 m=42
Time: h=6 m=17
